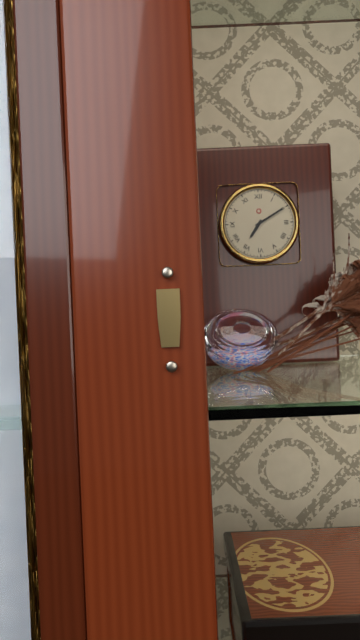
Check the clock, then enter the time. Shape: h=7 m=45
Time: h=7 m=10
